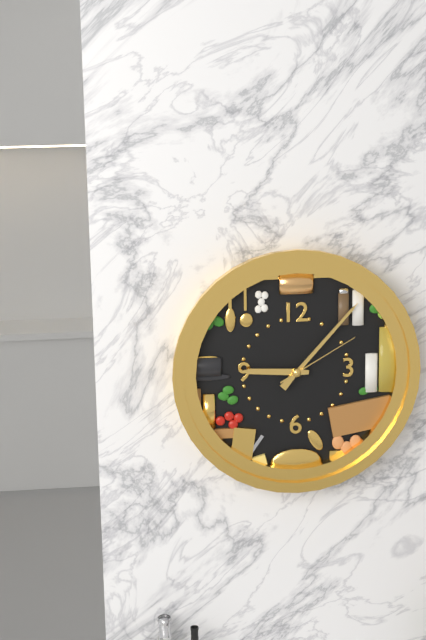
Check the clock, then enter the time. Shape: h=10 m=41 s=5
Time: h=9 m=7 s=10
